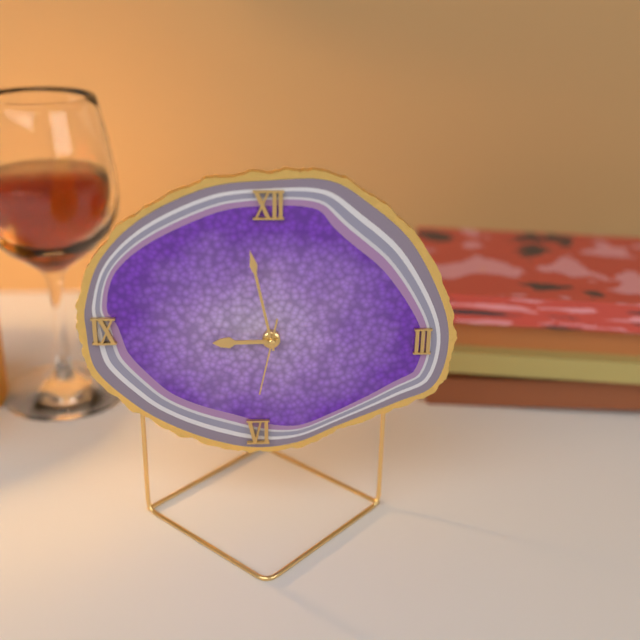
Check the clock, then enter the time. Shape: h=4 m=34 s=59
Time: h=8 m=58 s=32
